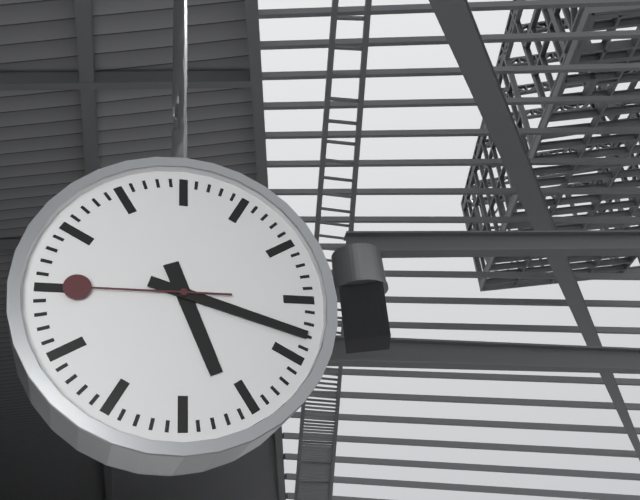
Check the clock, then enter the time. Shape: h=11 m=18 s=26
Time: h=5 m=18 s=45
